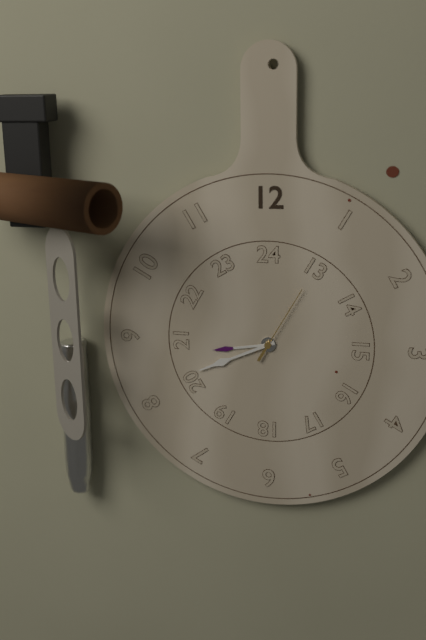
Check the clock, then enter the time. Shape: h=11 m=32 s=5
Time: h=8 m=41 s=5
